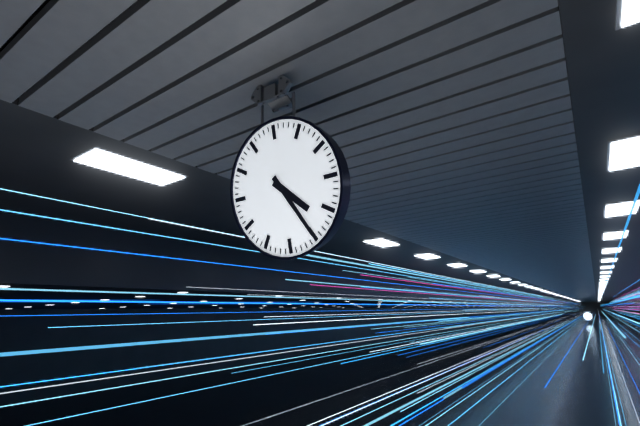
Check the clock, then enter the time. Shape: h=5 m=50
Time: h=4 m=25
